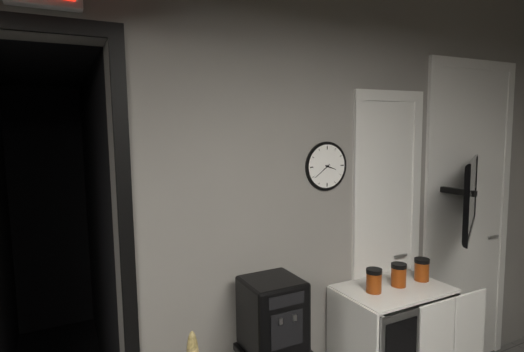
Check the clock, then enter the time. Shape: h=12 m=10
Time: h=3 m=39
